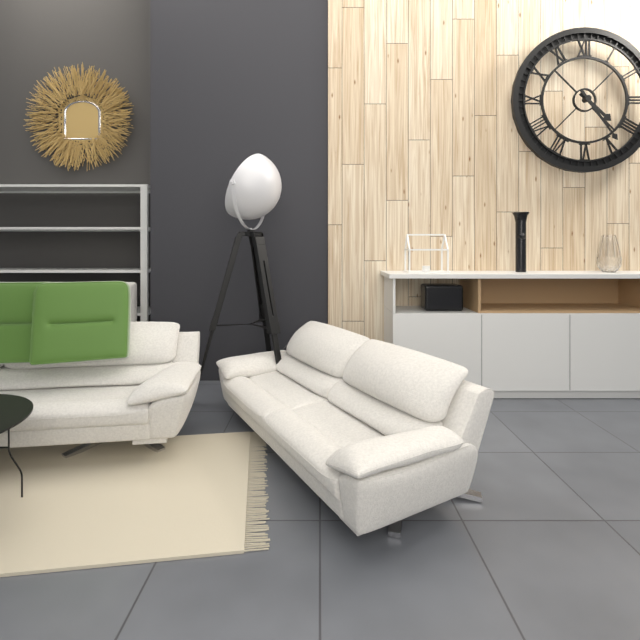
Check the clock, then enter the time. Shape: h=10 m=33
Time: h=4 m=24
